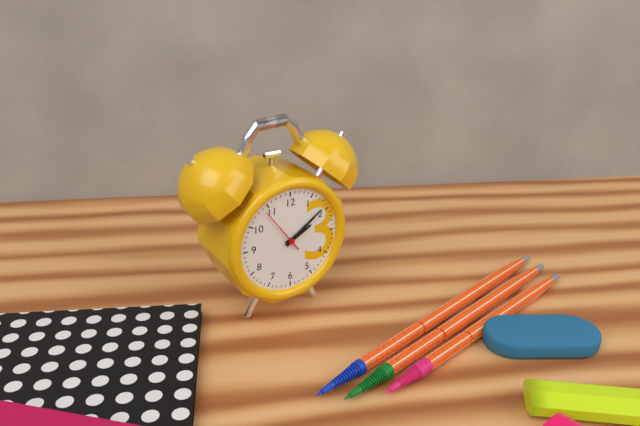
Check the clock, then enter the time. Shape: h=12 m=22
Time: h=2 m=9
